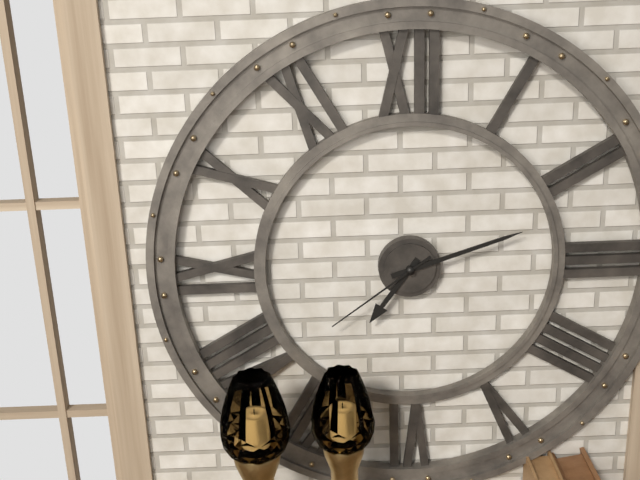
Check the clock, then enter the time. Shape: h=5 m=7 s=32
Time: h=7 m=12 s=39
